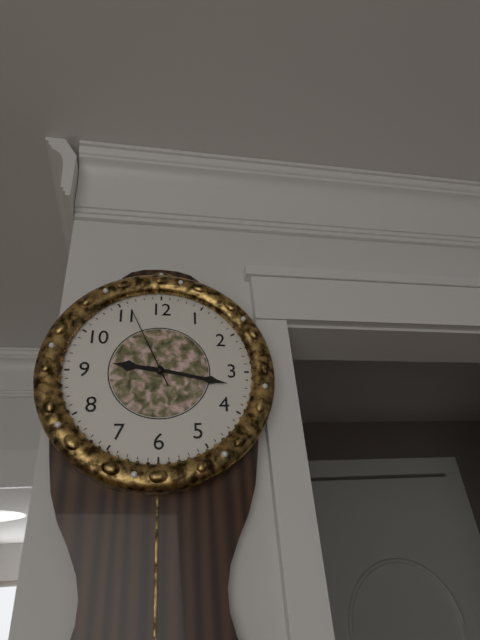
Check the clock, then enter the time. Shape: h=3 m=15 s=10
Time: h=9 m=17 s=56
